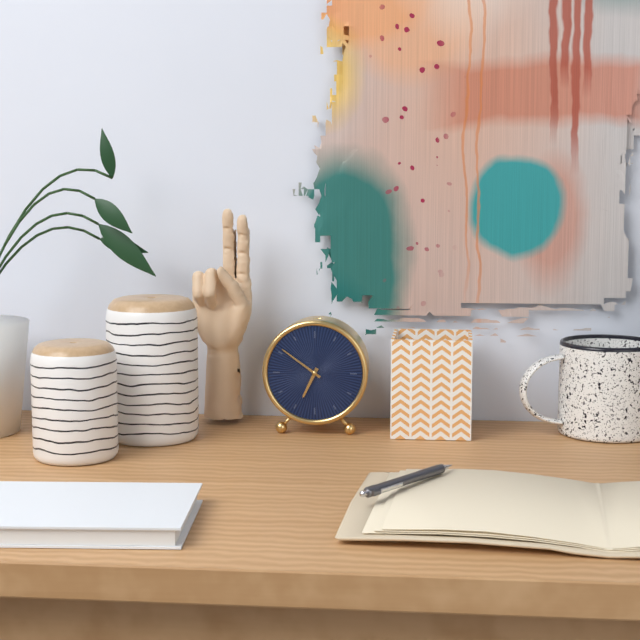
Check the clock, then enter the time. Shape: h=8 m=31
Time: h=6 m=51
